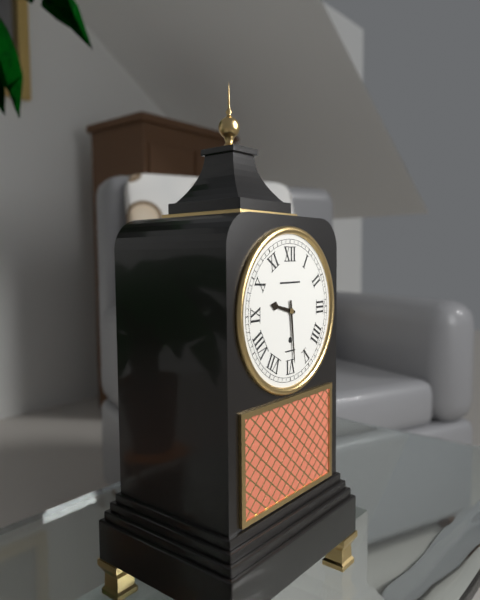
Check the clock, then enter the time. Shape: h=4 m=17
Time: h=9 m=29
